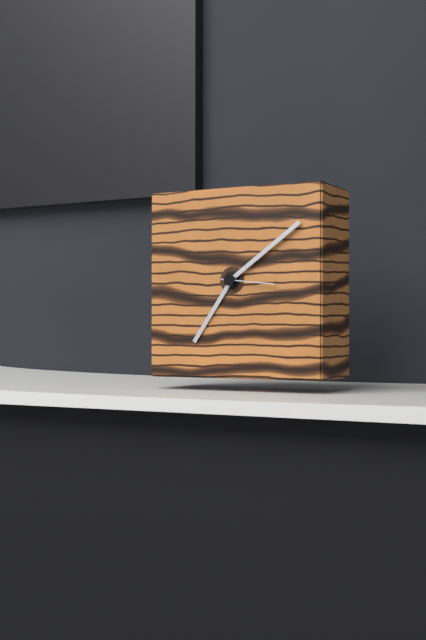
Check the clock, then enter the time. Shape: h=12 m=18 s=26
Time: h=7 m=9 s=16
